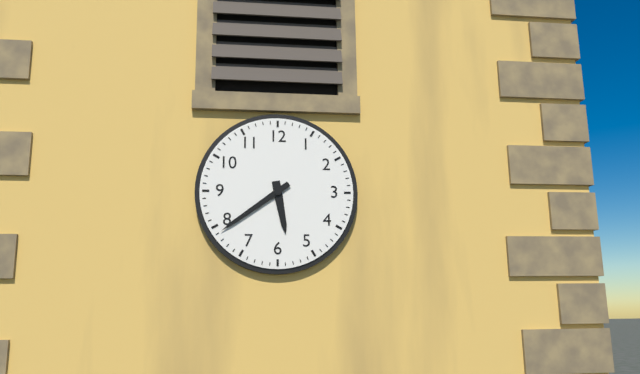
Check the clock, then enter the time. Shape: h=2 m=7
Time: h=5 m=39
